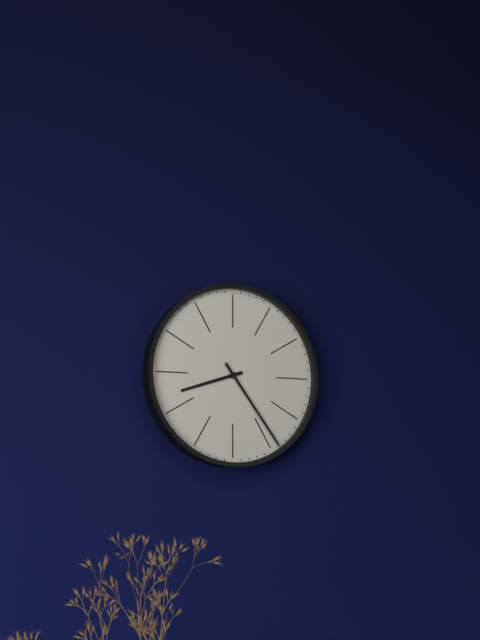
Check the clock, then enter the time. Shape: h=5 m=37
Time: h=8 m=24
